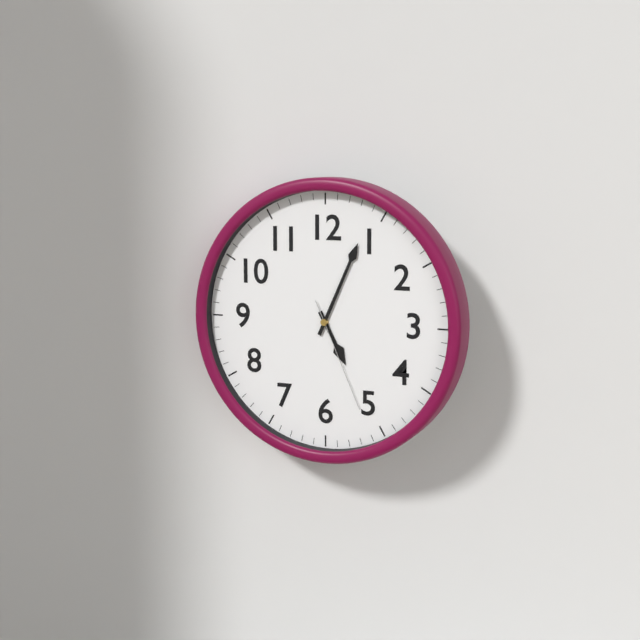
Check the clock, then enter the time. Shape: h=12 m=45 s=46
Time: h=5 m=4 s=26
